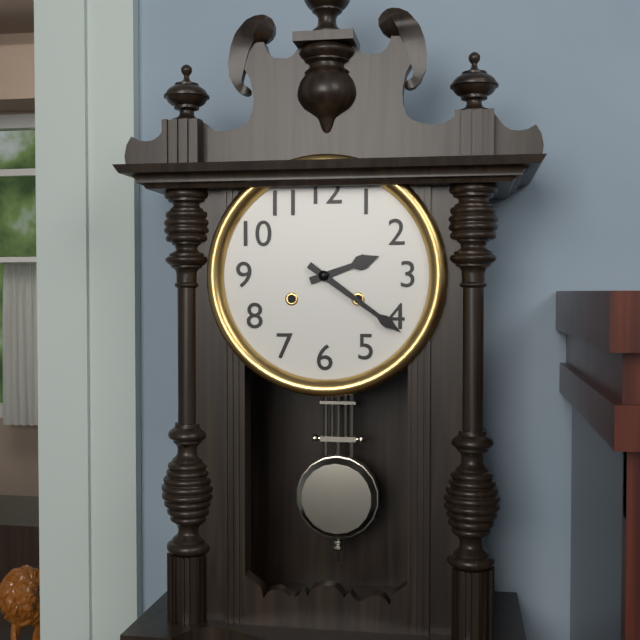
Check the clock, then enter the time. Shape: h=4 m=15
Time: h=2 m=21
